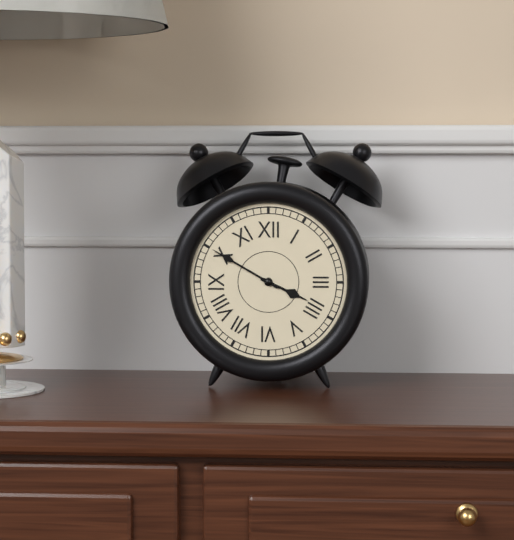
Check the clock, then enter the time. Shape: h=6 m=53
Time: h=3 m=50
